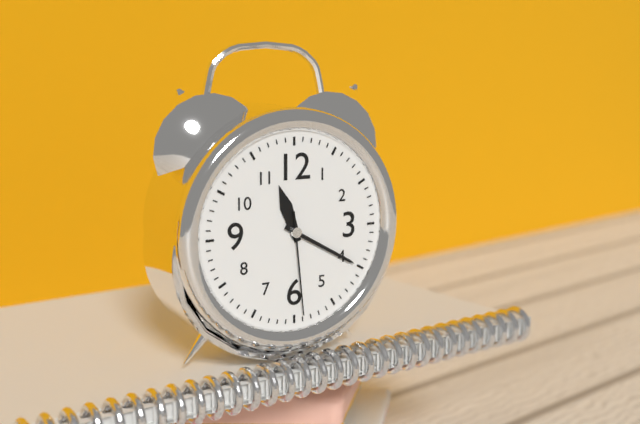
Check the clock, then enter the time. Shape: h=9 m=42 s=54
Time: h=11 m=20 s=29
